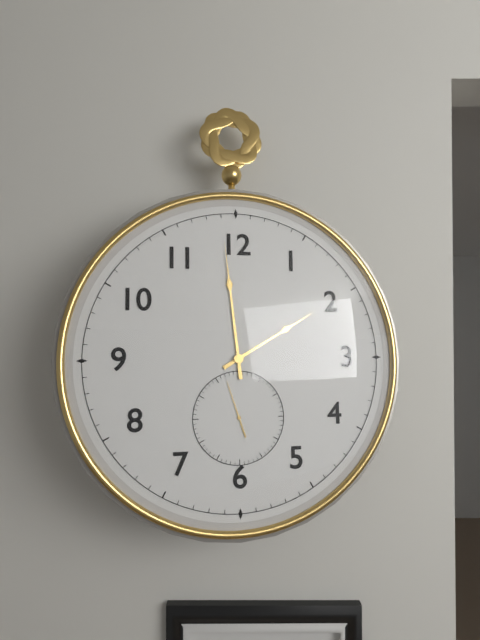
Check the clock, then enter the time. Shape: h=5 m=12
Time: h=1 m=59
